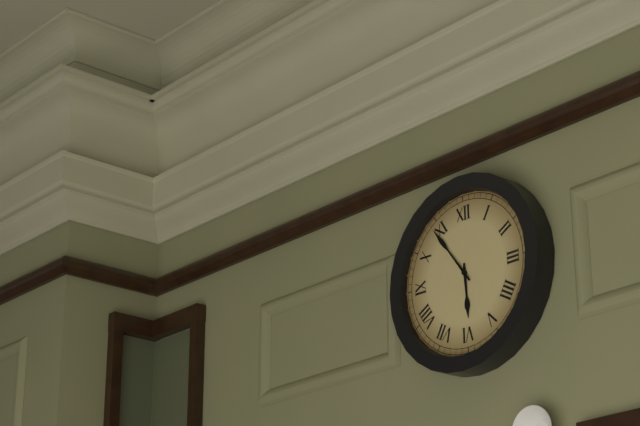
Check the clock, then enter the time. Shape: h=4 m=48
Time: h=5 m=54
